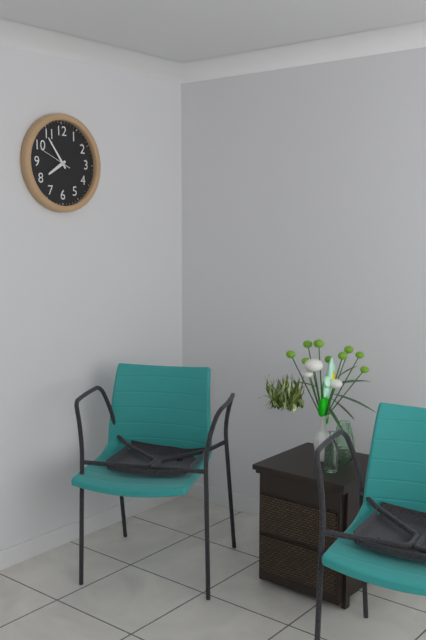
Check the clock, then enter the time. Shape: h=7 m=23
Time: h=7 m=54
